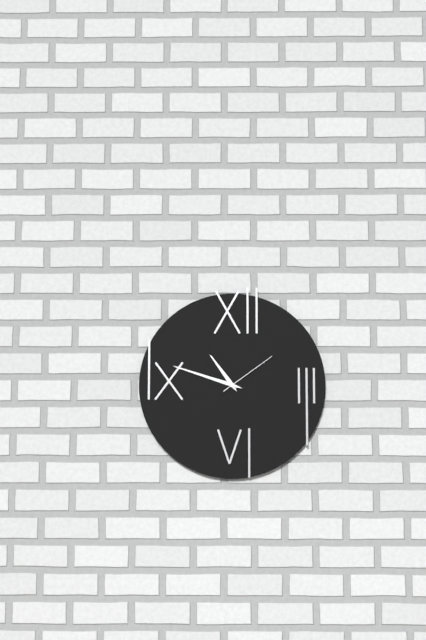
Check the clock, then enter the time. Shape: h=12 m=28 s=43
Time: h=10 m=48 s=9
